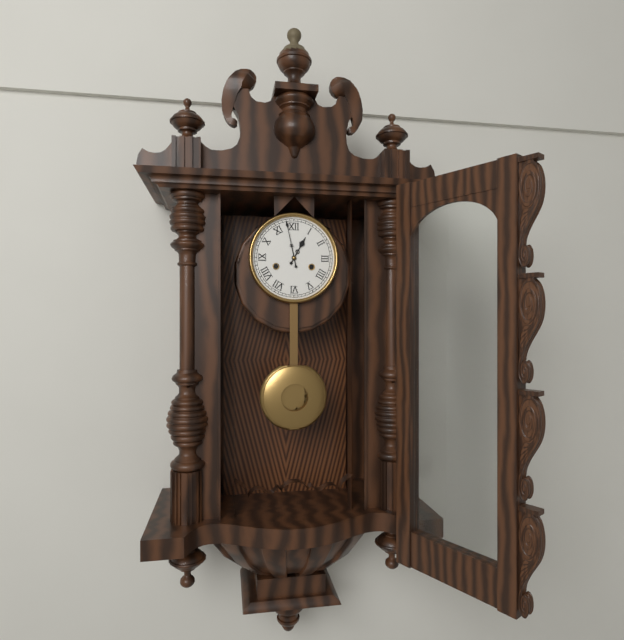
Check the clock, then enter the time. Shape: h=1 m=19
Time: h=12 m=58
